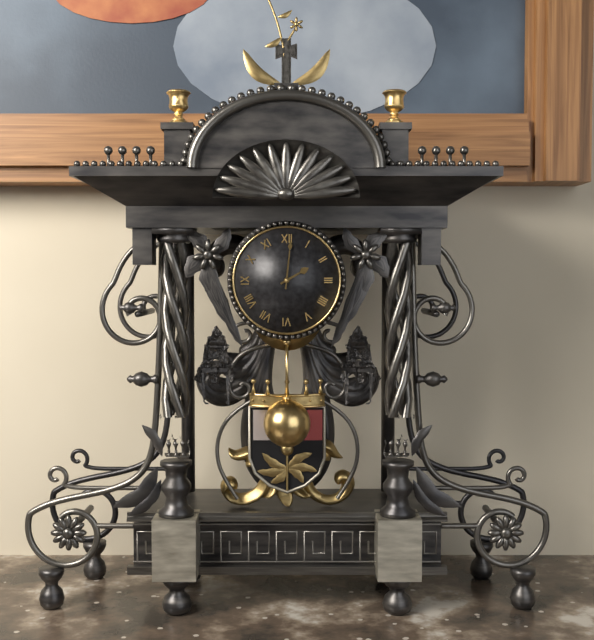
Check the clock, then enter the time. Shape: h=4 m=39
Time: h=2 m=1
